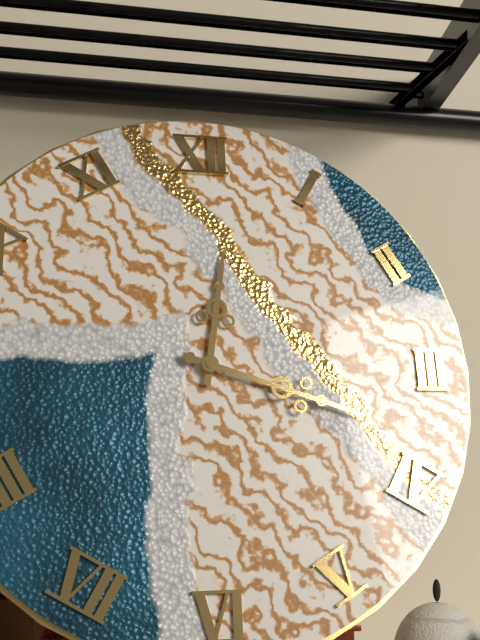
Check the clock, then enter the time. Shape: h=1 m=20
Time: h=12 m=18
